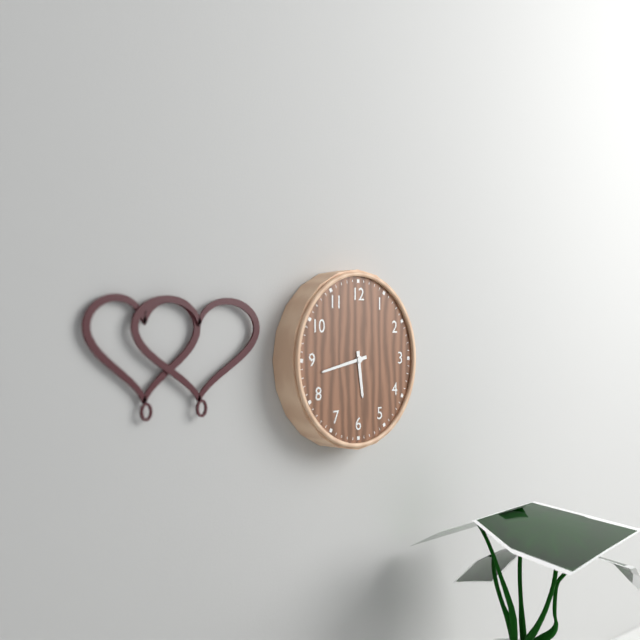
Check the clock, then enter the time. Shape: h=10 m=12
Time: h=5 m=43
